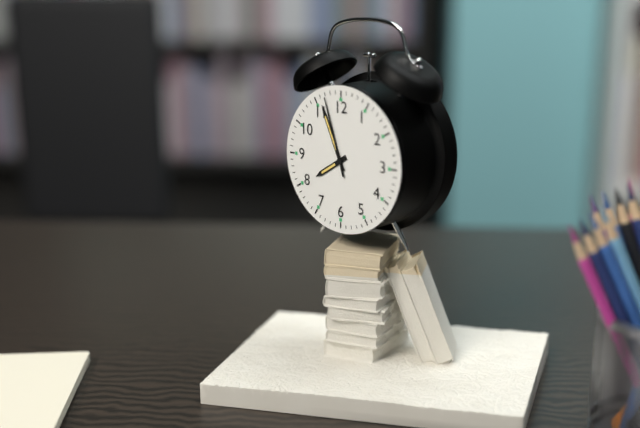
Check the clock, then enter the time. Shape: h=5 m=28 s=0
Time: h=7 m=56 s=57
